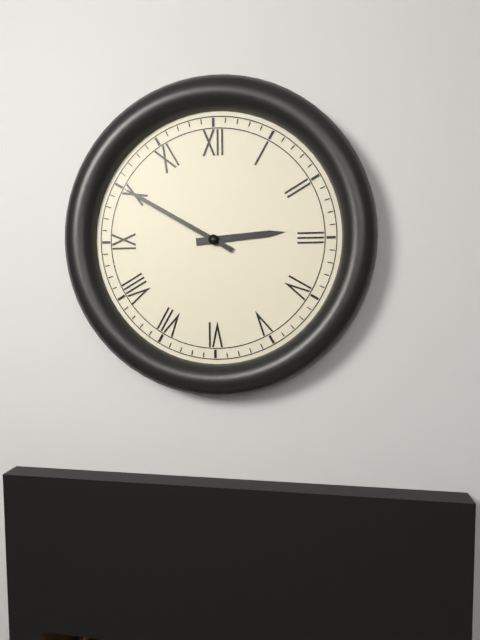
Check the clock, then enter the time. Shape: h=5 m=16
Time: h=2 m=50
